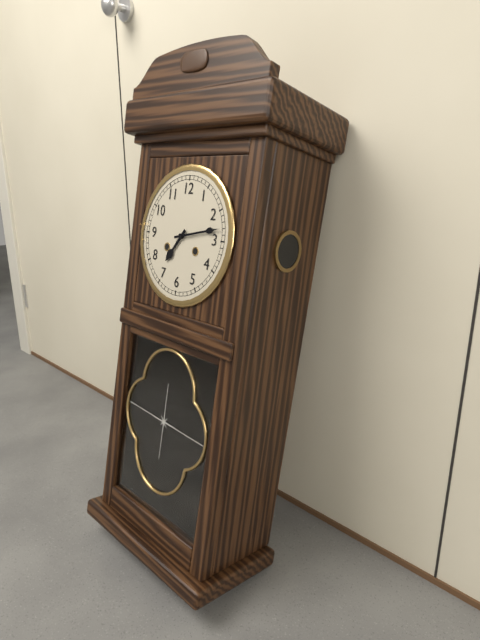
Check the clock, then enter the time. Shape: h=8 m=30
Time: h=7 m=13
